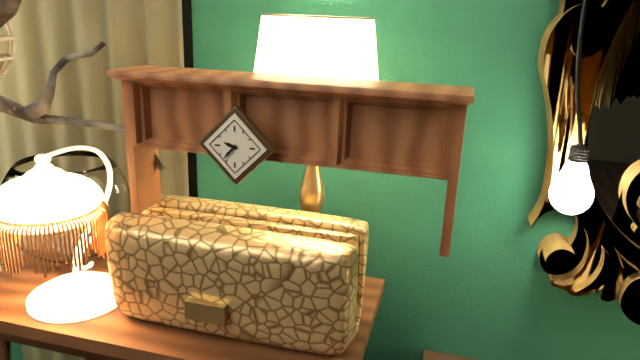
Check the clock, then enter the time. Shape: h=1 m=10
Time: h=9 m=37
